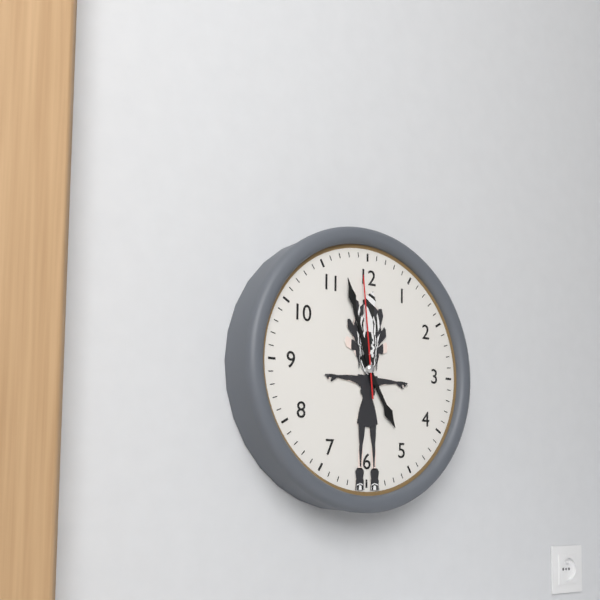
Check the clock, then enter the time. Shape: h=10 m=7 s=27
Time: h=4 m=57 s=59
